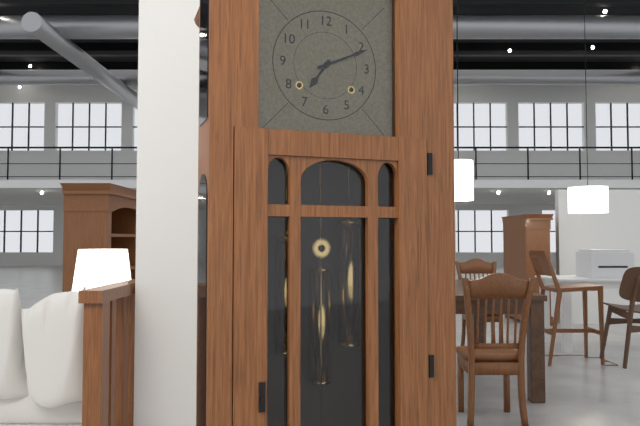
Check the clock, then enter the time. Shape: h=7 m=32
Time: h=7 m=11
